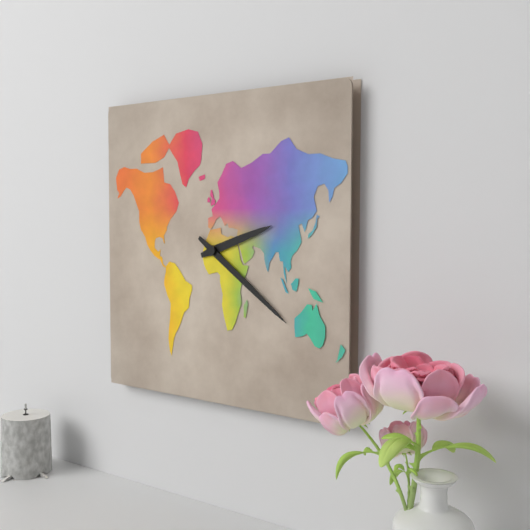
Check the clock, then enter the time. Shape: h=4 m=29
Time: h=2 m=21
